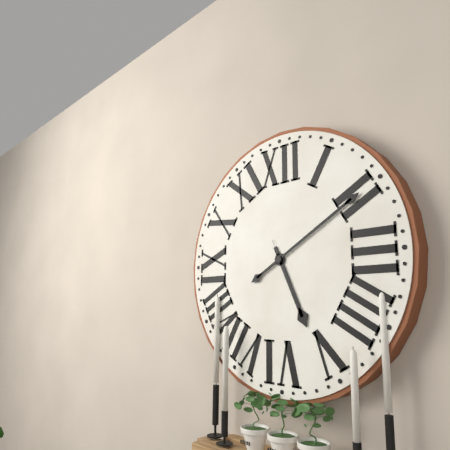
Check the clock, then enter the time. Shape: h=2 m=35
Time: h=5 m=10
